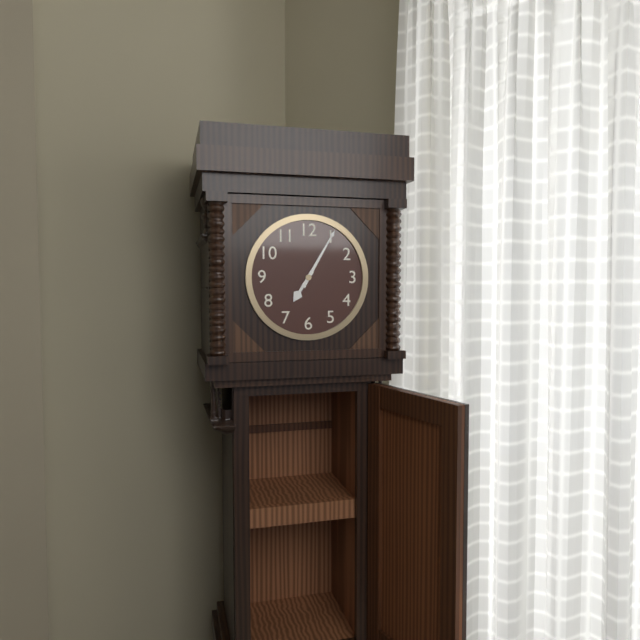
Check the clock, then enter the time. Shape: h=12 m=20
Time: h=7 m=5
